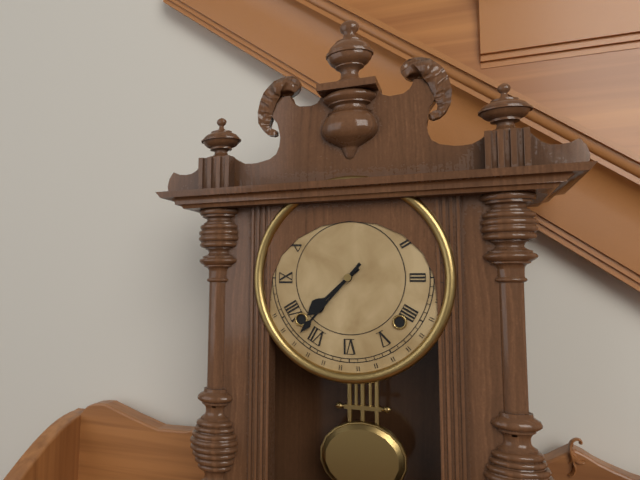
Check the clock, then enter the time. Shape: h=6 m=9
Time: h=7 m=37
